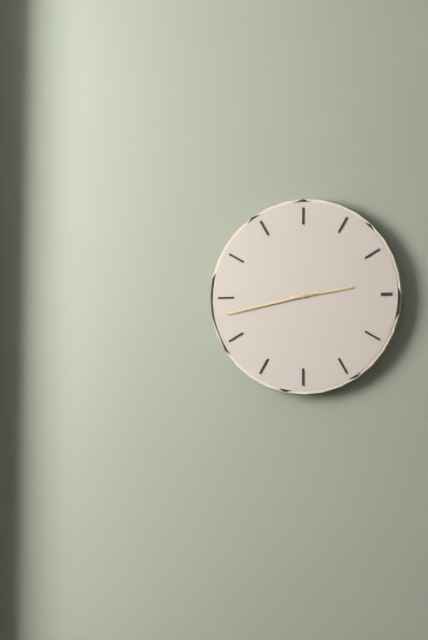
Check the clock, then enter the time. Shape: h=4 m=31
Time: h=2 m=43
